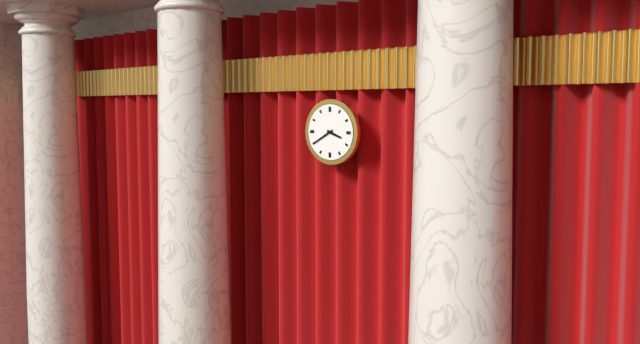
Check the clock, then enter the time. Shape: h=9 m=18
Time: h=3 m=40
